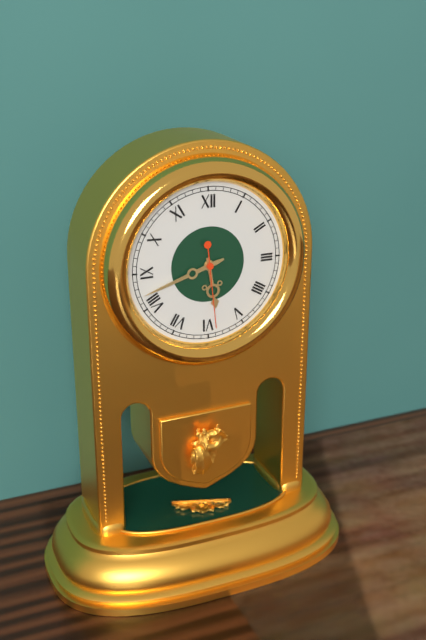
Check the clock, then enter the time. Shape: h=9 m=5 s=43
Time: h=5 m=42 s=29
